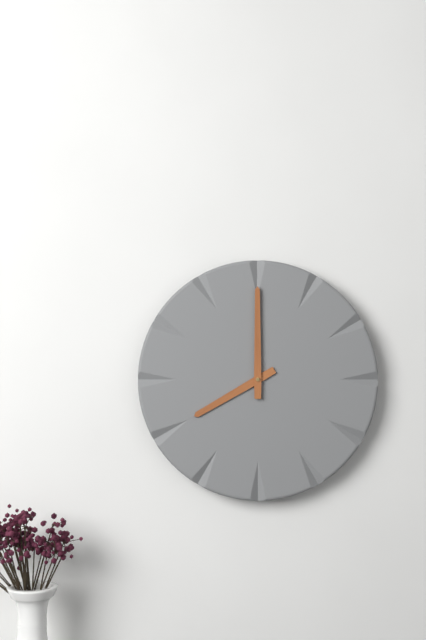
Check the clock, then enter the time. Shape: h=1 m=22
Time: h=8 m=0
